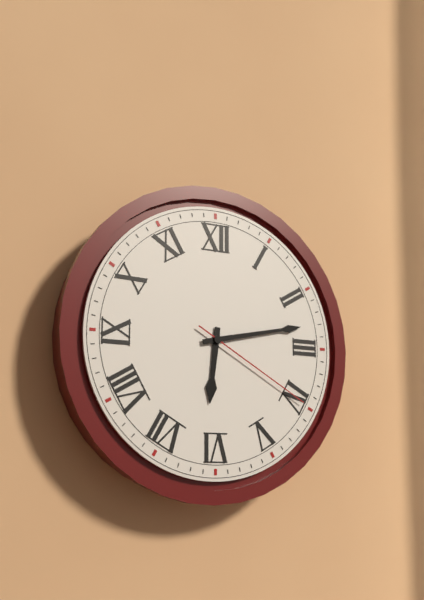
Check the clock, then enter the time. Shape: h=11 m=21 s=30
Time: h=6 m=13 s=20
